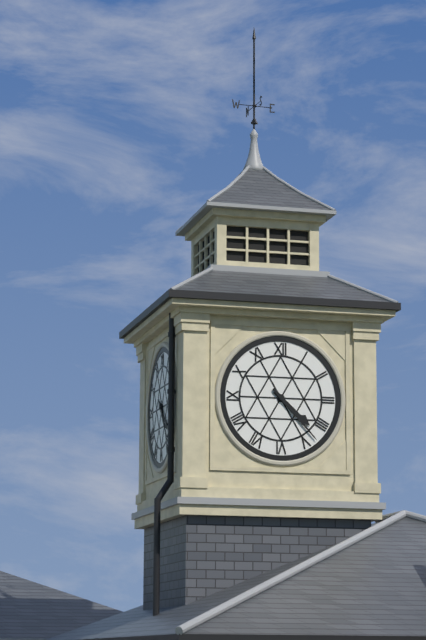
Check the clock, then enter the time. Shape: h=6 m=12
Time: h=4 m=23
